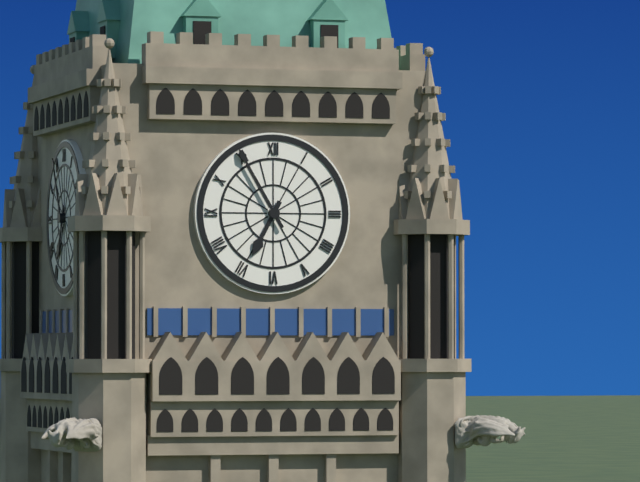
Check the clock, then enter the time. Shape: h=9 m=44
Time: h=6 m=55
